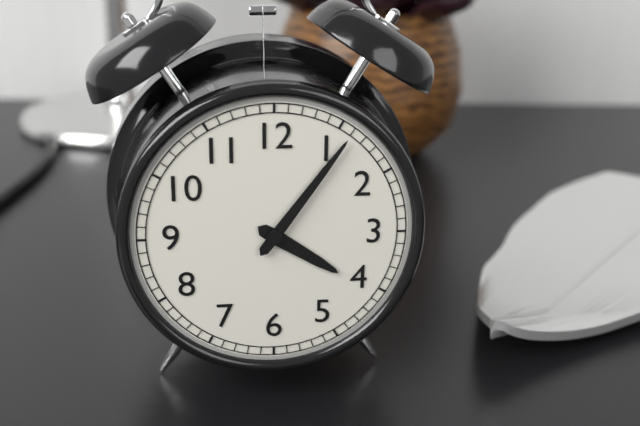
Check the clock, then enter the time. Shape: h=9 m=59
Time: h=4 m=6
